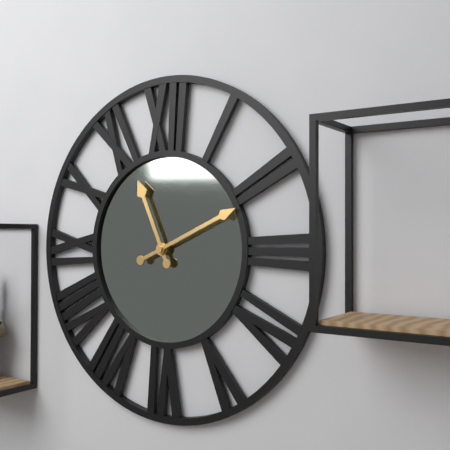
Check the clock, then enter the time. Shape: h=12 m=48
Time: h=11 m=11
